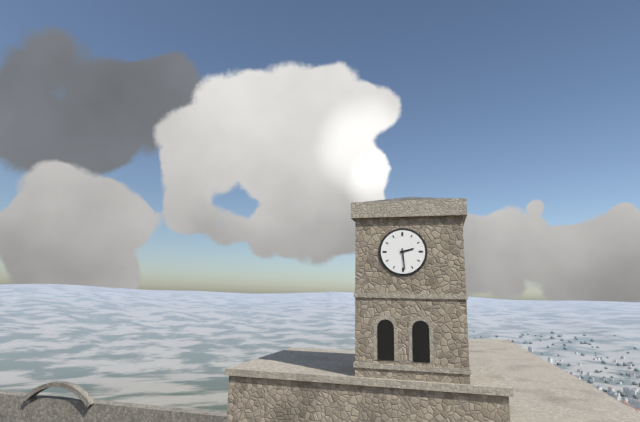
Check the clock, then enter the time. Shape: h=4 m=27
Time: h=2 m=29
